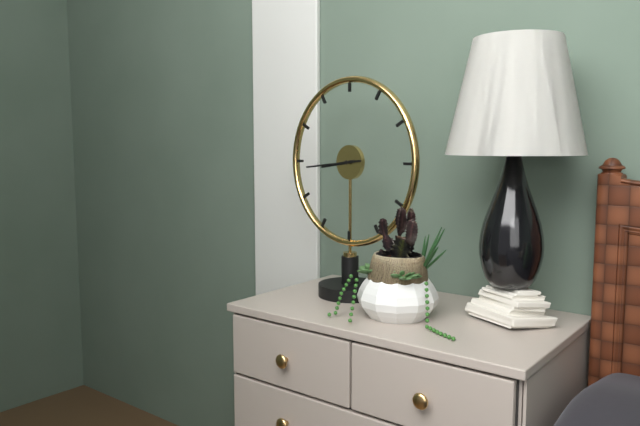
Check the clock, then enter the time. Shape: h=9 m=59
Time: h=8 m=44
